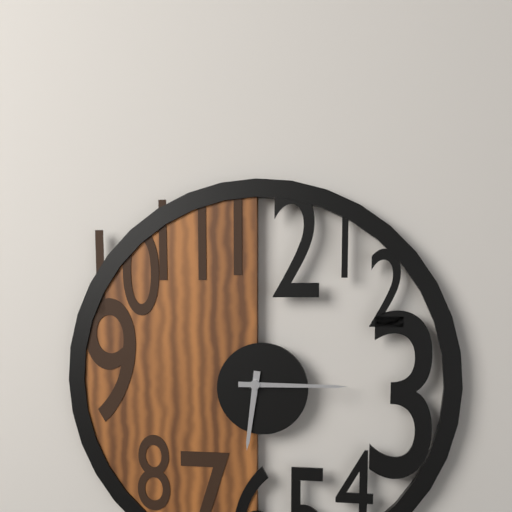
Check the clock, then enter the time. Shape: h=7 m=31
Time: h=6 m=15
